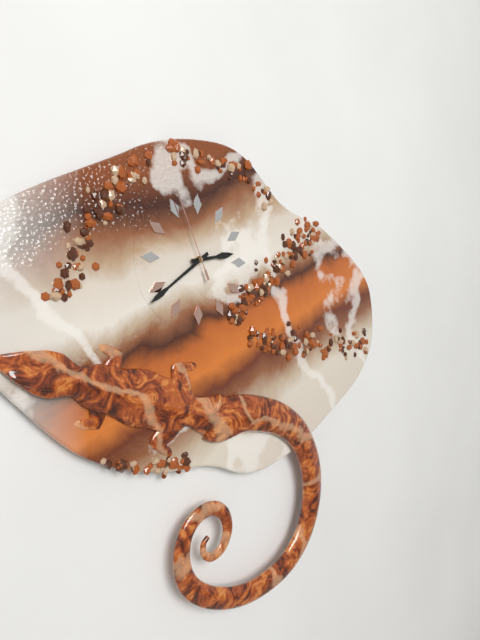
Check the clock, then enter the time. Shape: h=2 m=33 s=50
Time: h=2 m=39 s=56
